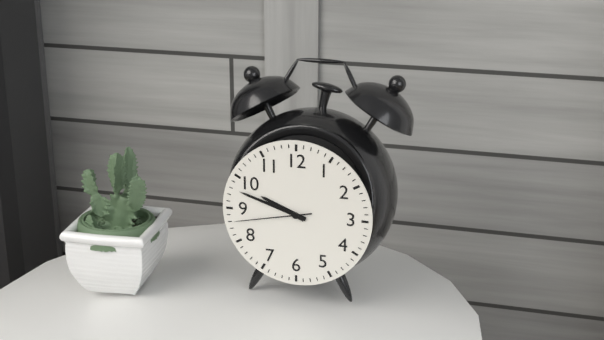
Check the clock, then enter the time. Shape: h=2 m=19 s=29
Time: h=9 m=48 s=43
